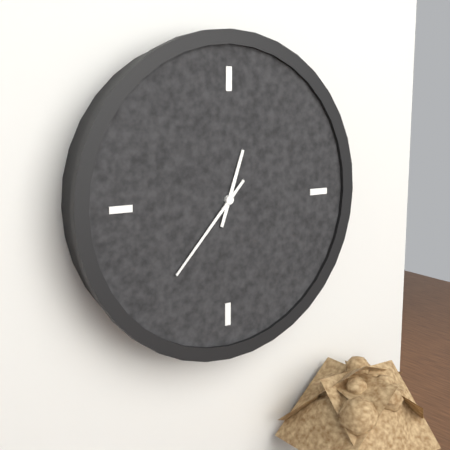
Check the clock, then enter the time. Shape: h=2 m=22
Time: h=12 m=37
